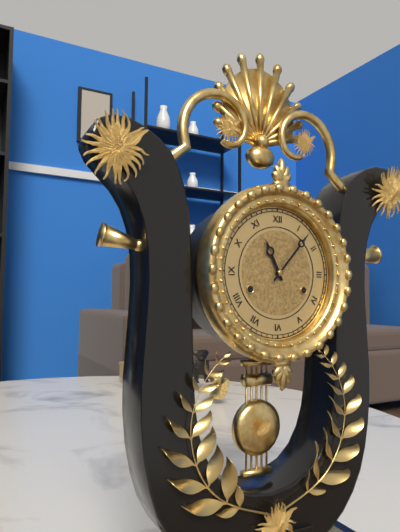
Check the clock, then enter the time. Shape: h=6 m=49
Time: h=11 m=7
